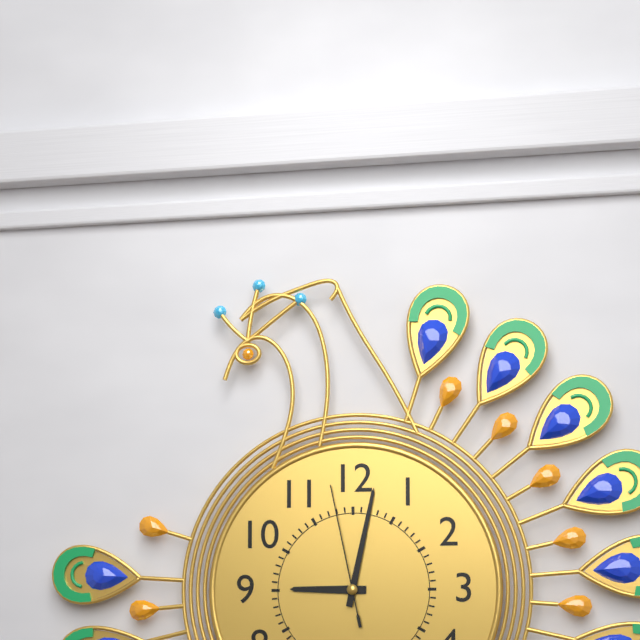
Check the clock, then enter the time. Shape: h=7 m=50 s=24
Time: h=9 m=2 s=58
